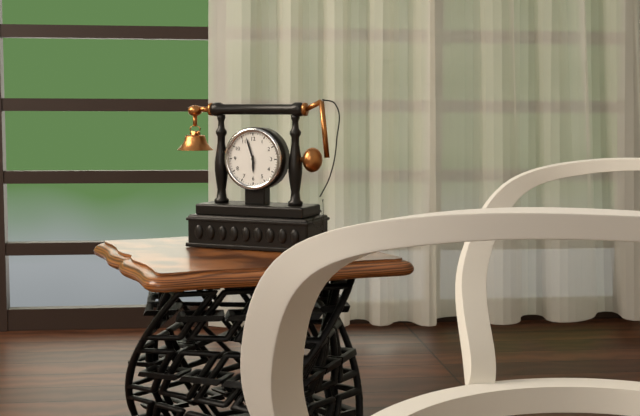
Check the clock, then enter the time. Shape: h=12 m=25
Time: h=5 m=57
